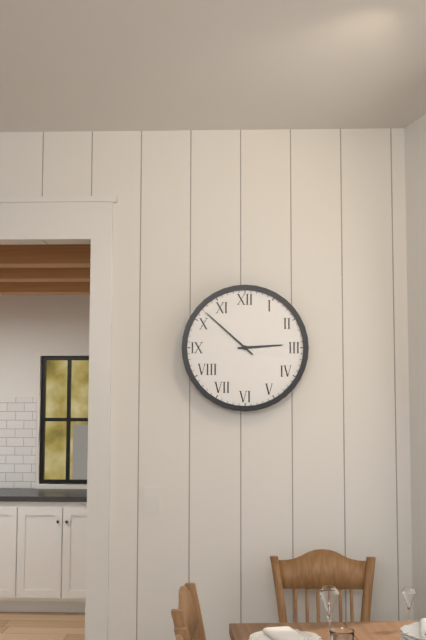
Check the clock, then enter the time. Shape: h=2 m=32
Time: h=2 m=52
